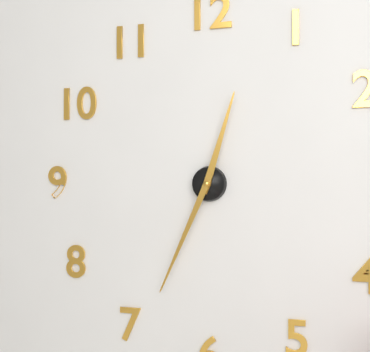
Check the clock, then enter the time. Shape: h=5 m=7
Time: h=12 m=34
